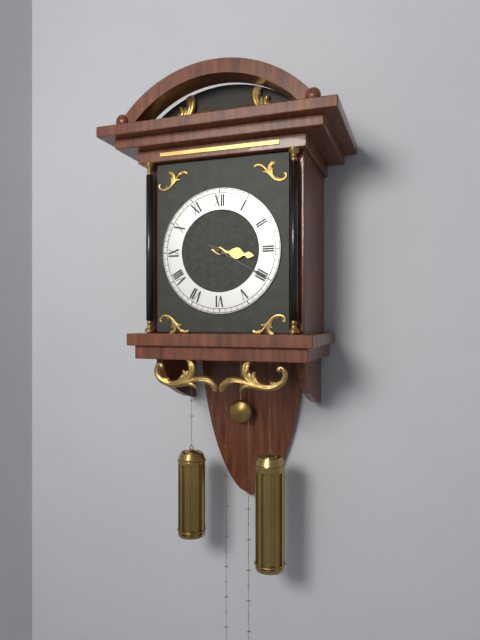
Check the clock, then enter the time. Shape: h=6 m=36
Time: h=3 m=20
